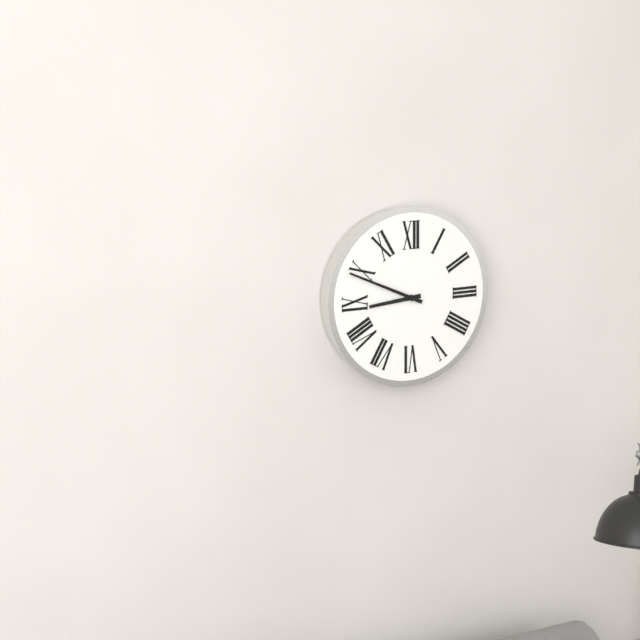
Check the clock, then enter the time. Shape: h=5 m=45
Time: h=8 m=49
